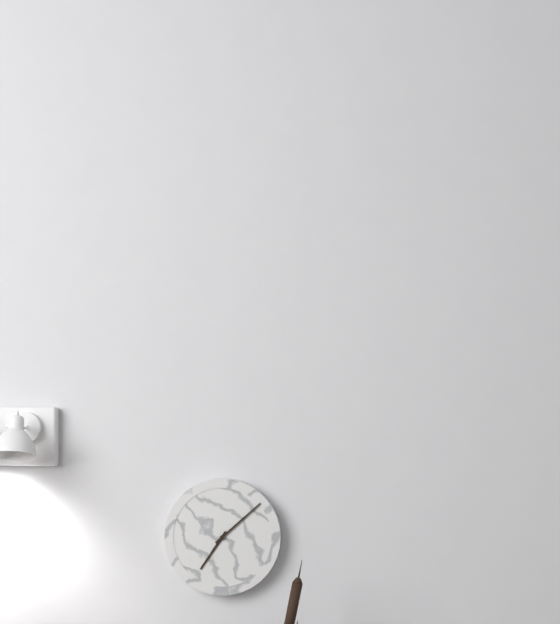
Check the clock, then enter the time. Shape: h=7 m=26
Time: h=7 m=8
